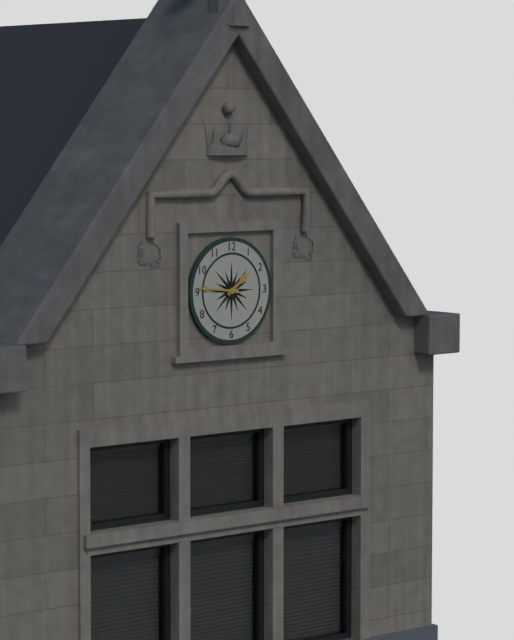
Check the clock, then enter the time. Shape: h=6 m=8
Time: h=1 m=46
